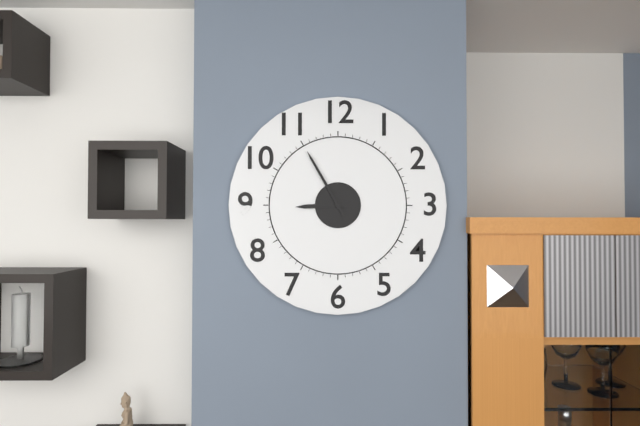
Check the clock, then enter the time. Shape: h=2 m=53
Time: h=8 m=55
